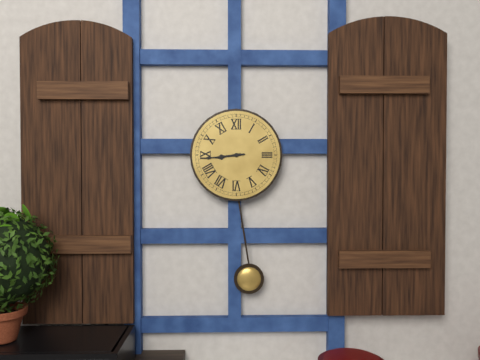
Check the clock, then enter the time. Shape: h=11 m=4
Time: h=8 m=44
